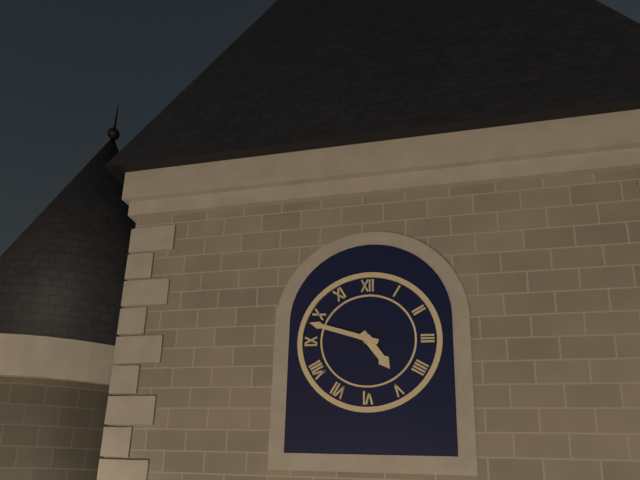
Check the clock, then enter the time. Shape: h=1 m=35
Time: h=4 m=48
